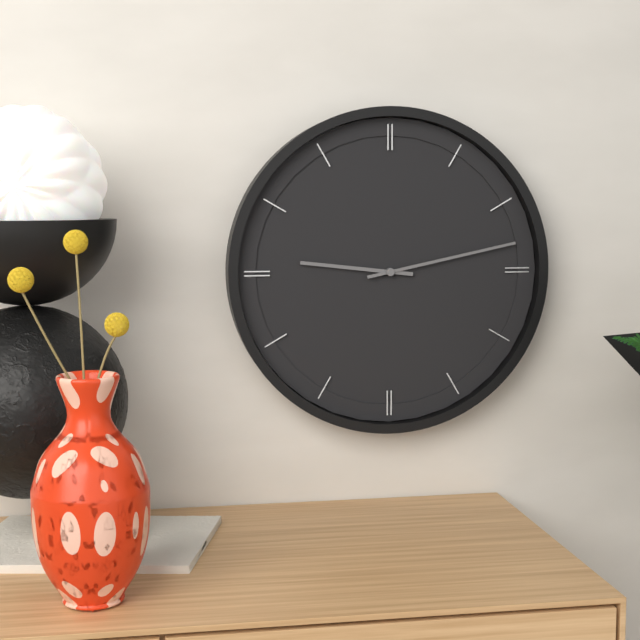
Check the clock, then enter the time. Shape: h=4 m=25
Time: h=9 m=13
